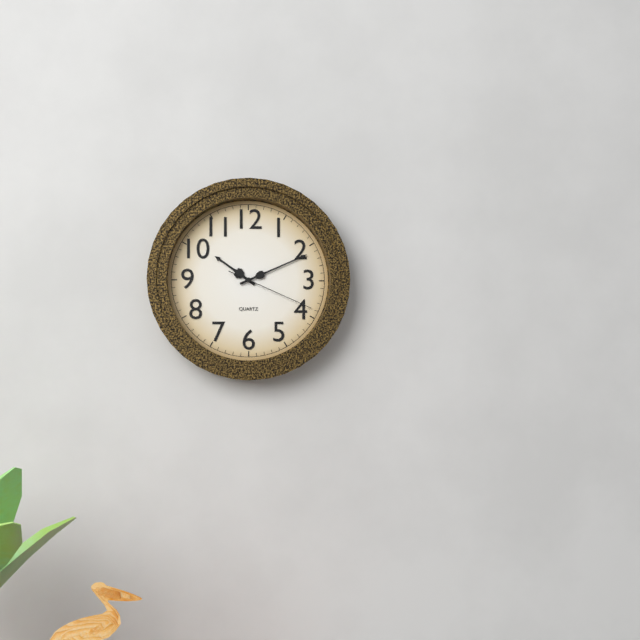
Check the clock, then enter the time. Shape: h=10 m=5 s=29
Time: h=10 m=11 s=19
